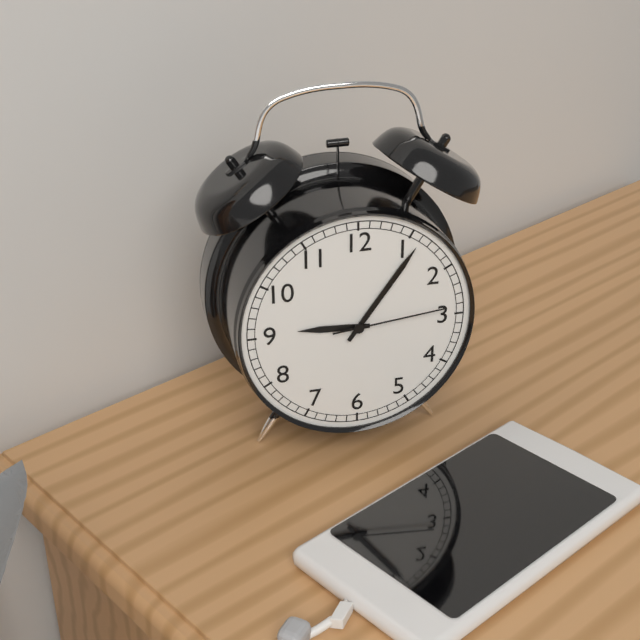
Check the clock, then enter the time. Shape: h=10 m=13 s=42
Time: h=9 m=6 s=14
